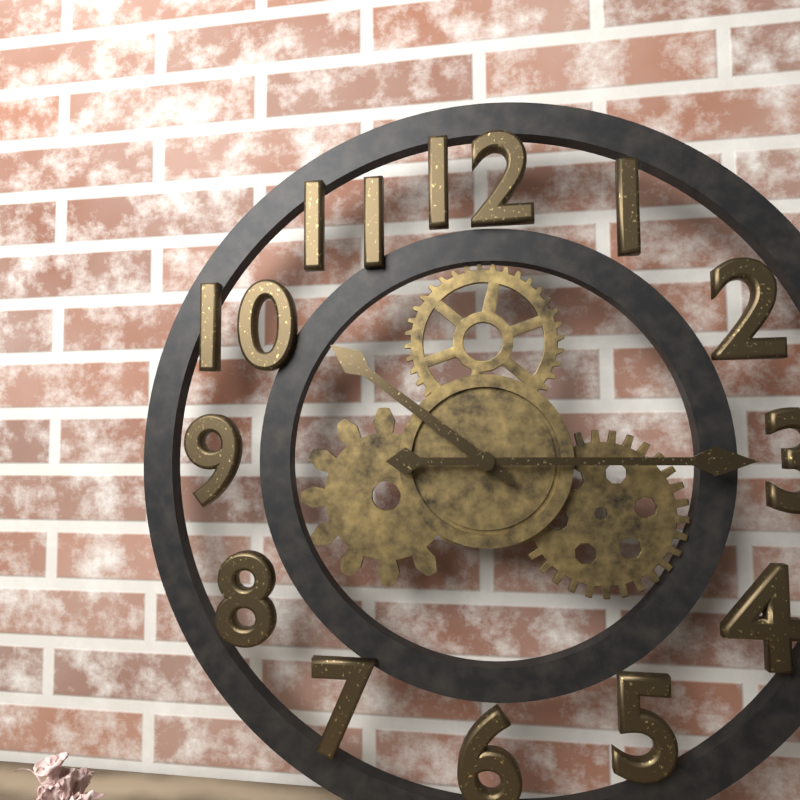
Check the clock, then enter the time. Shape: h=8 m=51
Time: h=10 m=15
